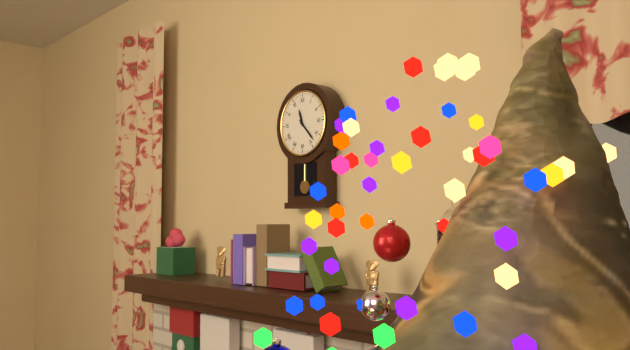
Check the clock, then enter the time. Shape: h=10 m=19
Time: h=11 m=23
